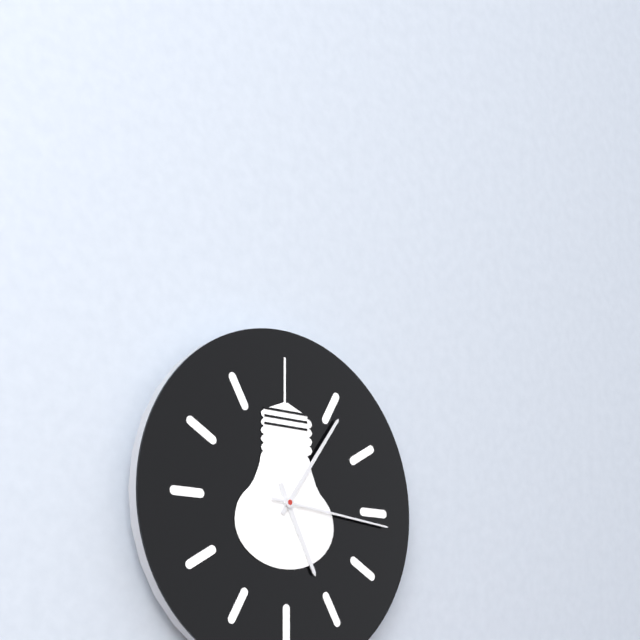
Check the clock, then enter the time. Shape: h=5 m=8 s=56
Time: h=5 m=6 s=16
